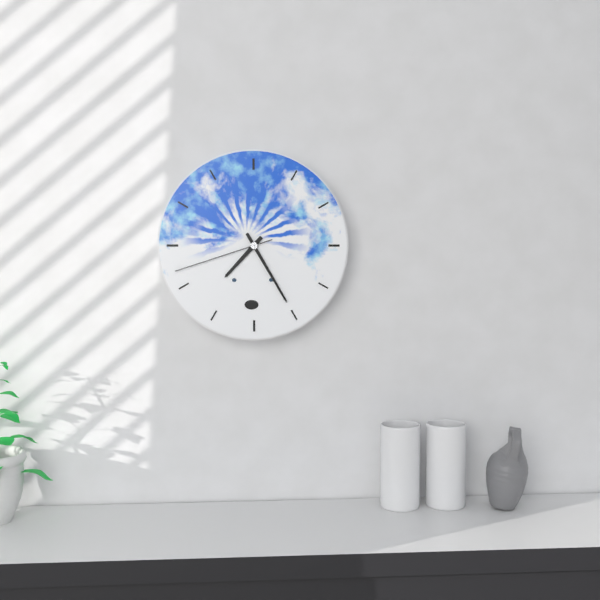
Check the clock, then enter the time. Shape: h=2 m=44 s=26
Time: h=7 m=25 s=42
